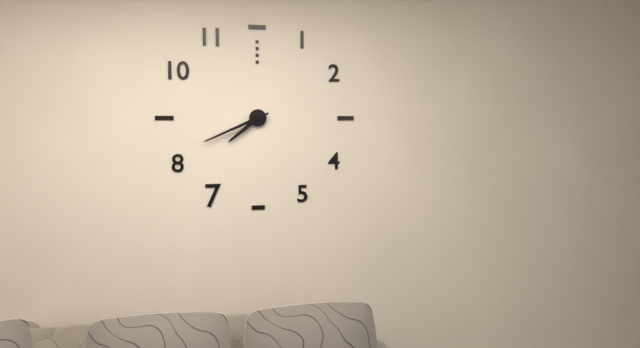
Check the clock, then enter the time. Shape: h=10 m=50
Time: h=7 m=41
